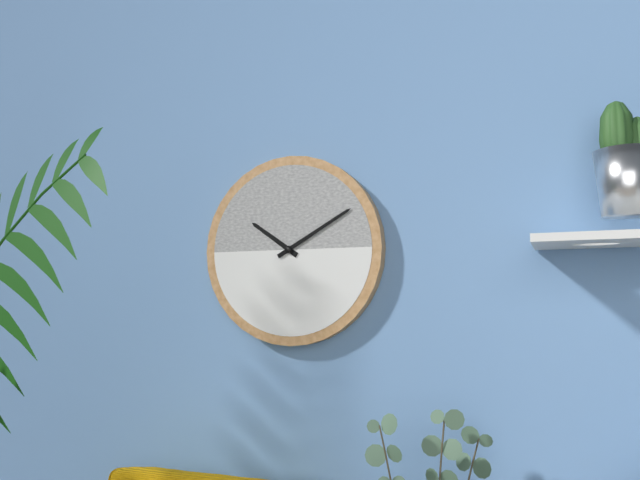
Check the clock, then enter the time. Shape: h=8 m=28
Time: h=10 m=10
